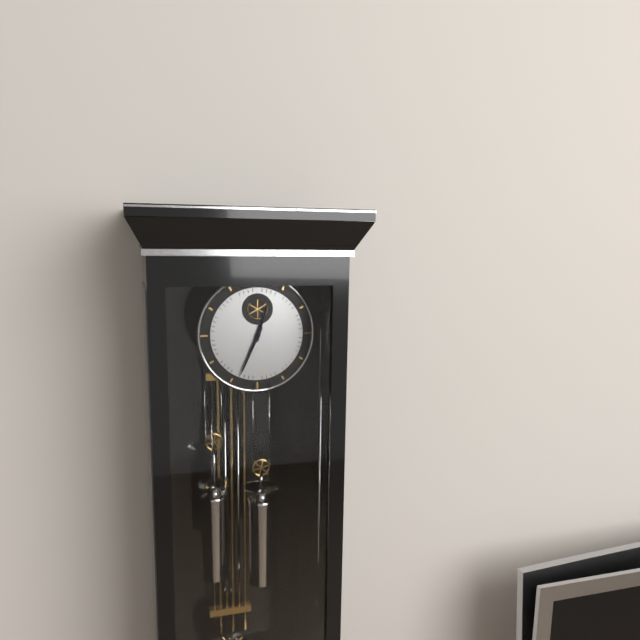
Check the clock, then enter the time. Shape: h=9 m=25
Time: h=12 m=34
